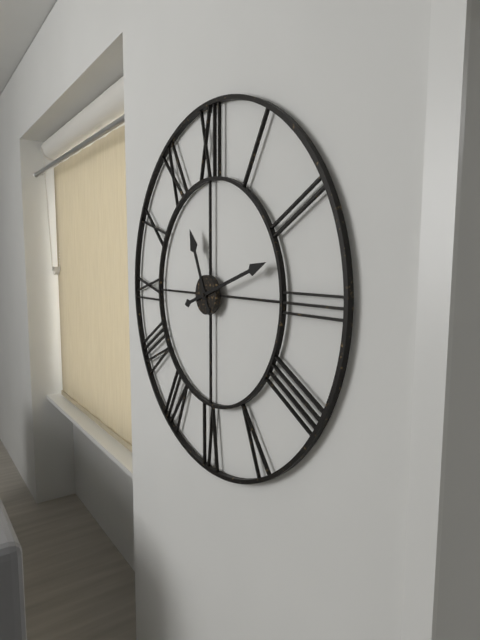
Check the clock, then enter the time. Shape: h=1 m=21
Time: h=11 m=12
